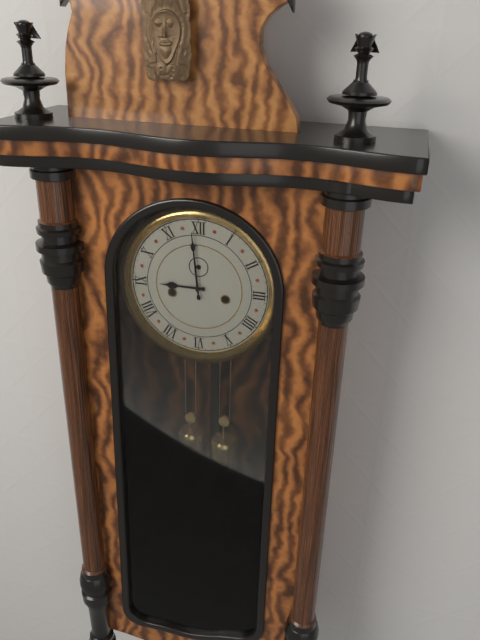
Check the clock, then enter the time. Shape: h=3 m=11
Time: h=8 m=59
